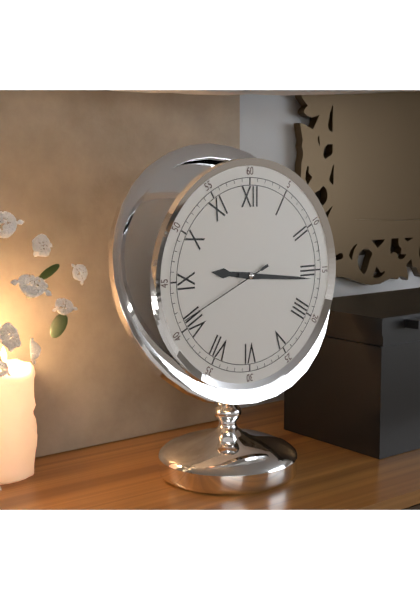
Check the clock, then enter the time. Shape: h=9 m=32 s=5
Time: h=9 m=16 s=41
